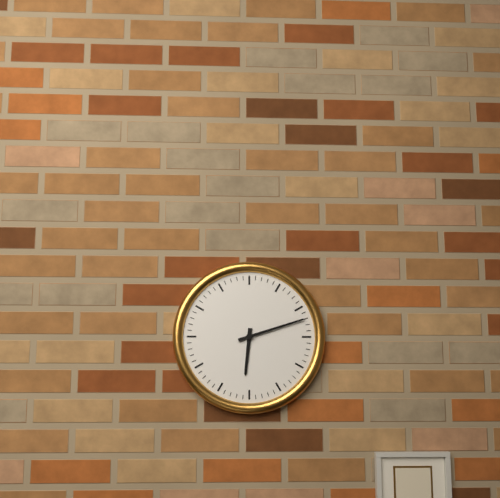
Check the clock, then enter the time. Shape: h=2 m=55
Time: h=6 m=12
